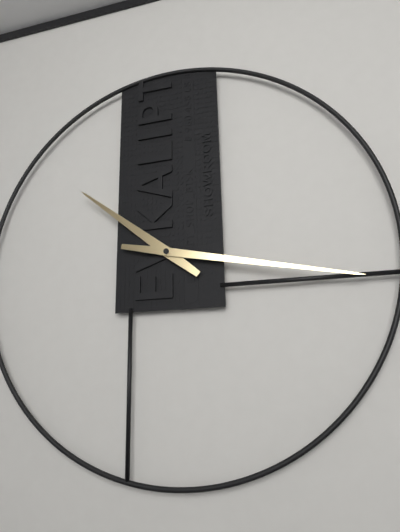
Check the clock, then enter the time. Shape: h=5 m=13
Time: h=10 m=17
